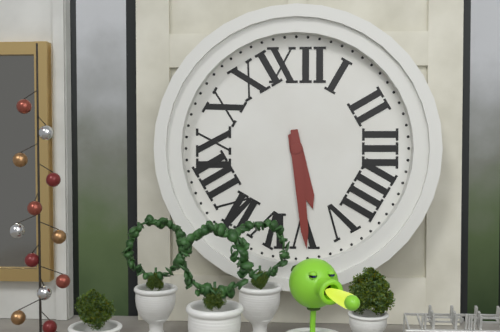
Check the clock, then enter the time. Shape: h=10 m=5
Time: h=5 m=29
